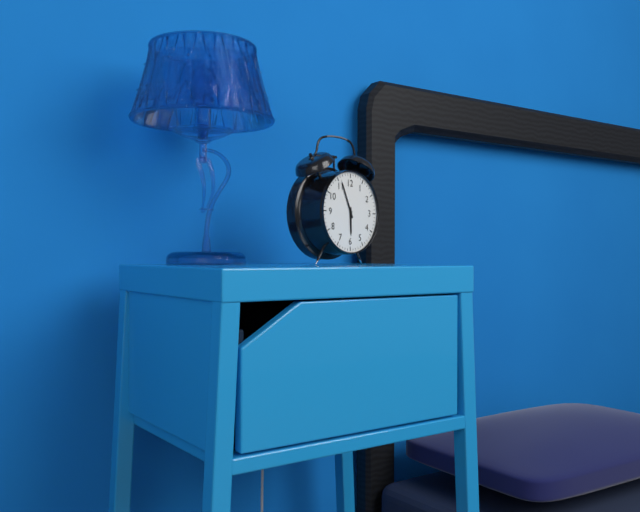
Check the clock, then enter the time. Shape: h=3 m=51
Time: h=5 m=56
